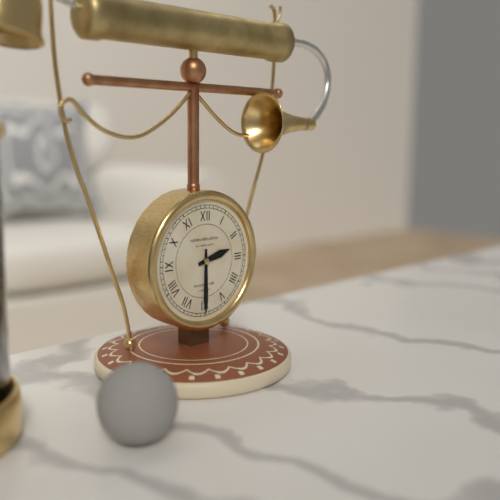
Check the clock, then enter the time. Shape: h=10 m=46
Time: h=2 m=30
